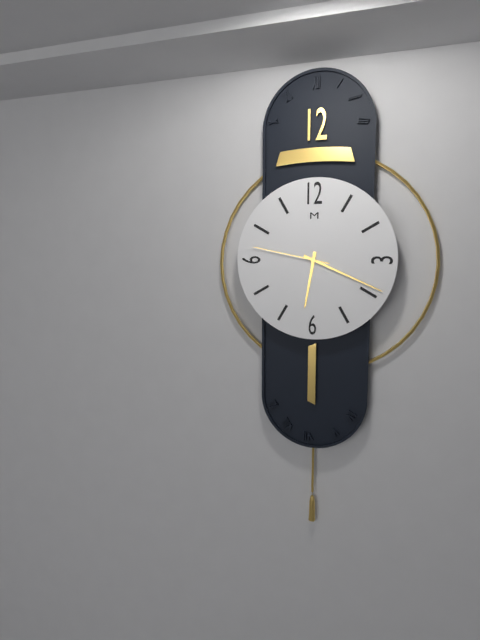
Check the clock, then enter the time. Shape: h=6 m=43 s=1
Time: h=6 m=19 s=47
